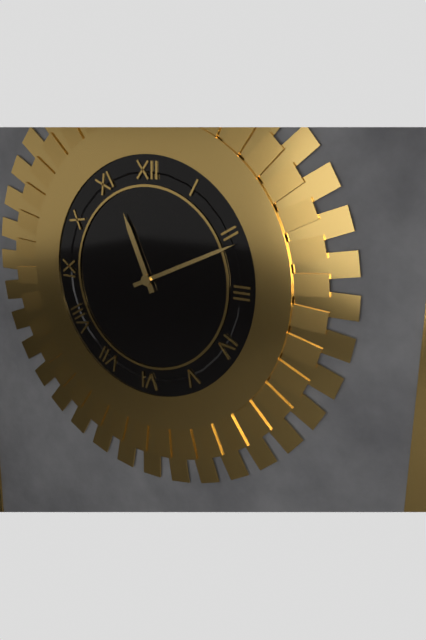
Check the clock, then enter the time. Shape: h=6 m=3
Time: h=11 m=11
